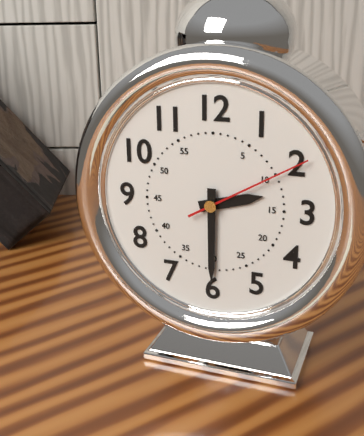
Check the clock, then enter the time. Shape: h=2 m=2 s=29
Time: h=2 m=30 s=10
